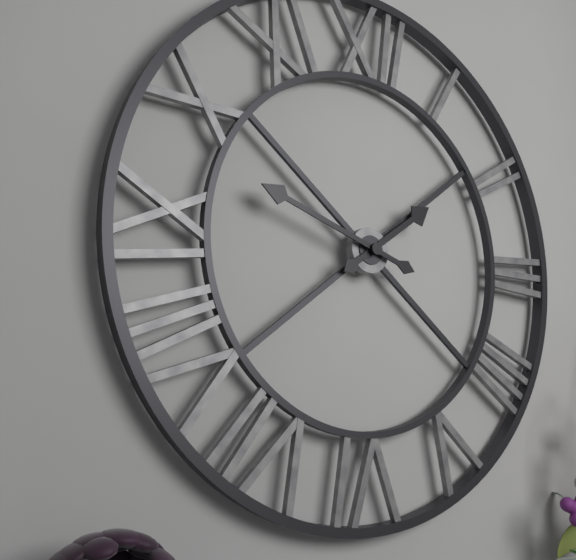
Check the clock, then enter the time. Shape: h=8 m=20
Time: h=1 m=48
